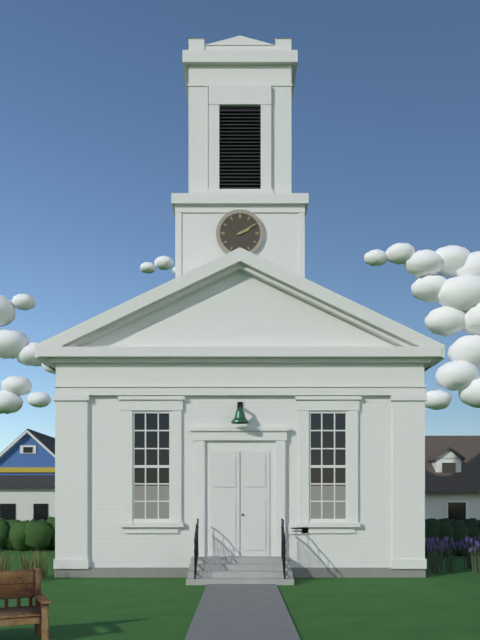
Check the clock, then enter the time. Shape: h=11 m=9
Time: h=2 m=10
